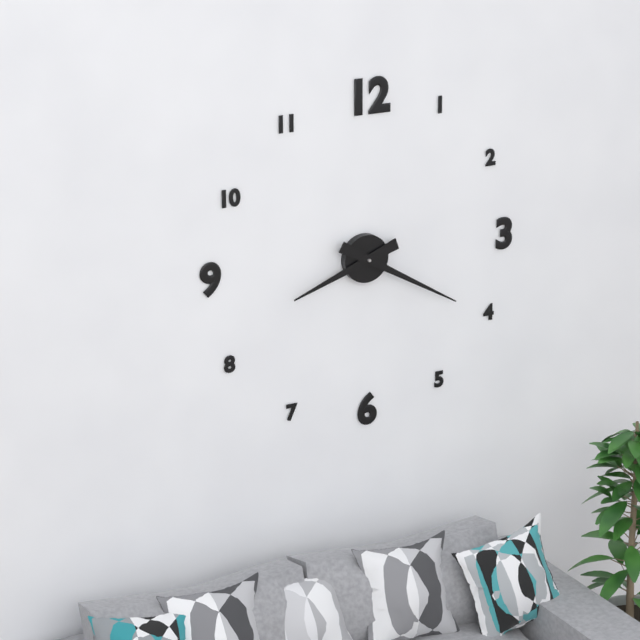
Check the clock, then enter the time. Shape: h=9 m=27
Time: h=8 m=20
